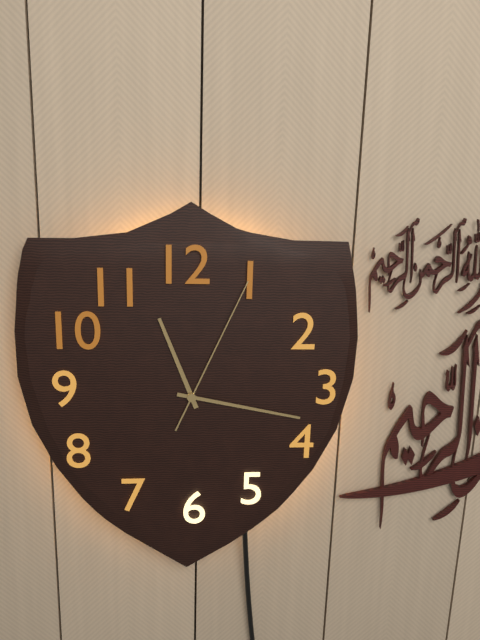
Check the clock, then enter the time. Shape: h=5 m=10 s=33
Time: h=11 m=17 s=4
